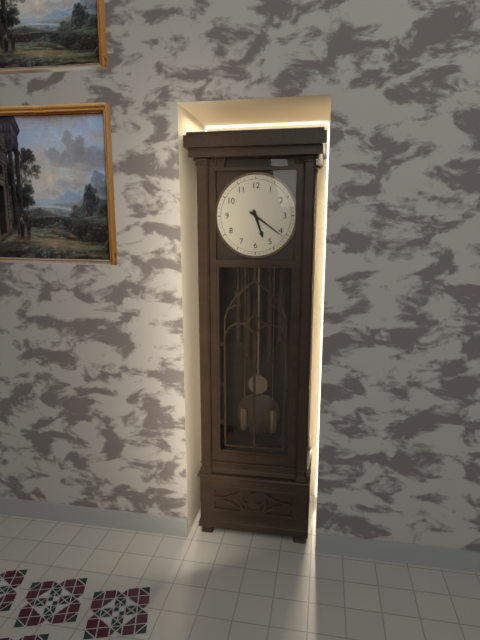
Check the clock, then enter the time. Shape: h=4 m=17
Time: h=5 m=21
